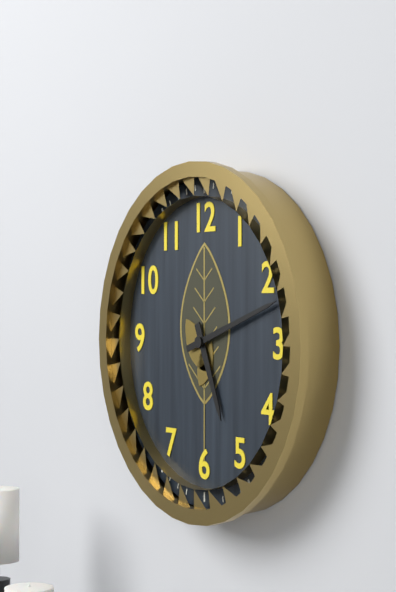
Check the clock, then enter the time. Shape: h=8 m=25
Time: h=5 m=12
